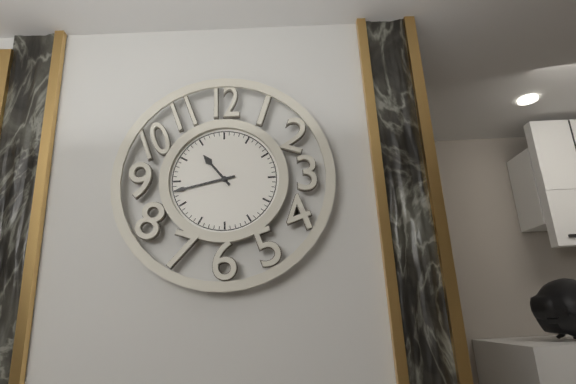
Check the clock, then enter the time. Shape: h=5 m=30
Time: h=10 m=43
